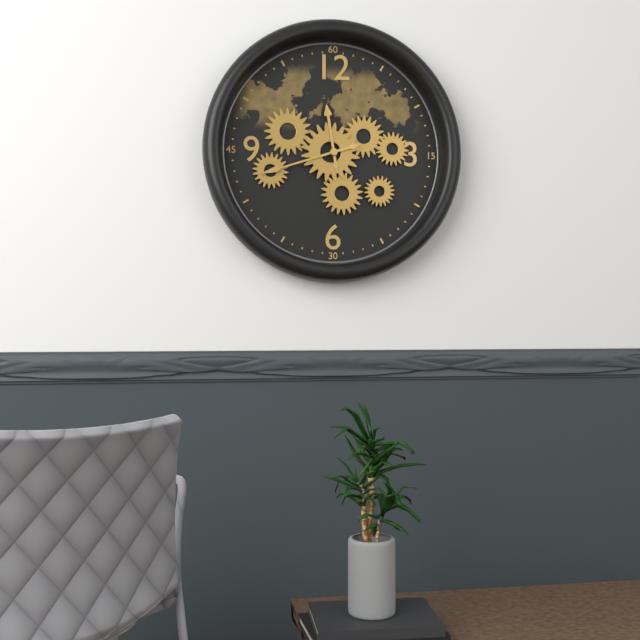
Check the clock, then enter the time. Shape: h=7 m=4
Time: h=11 m=42
